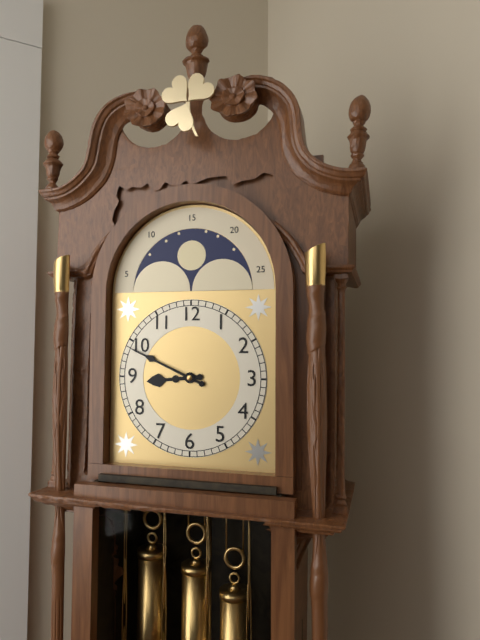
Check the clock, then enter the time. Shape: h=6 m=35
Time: h=8 m=49
